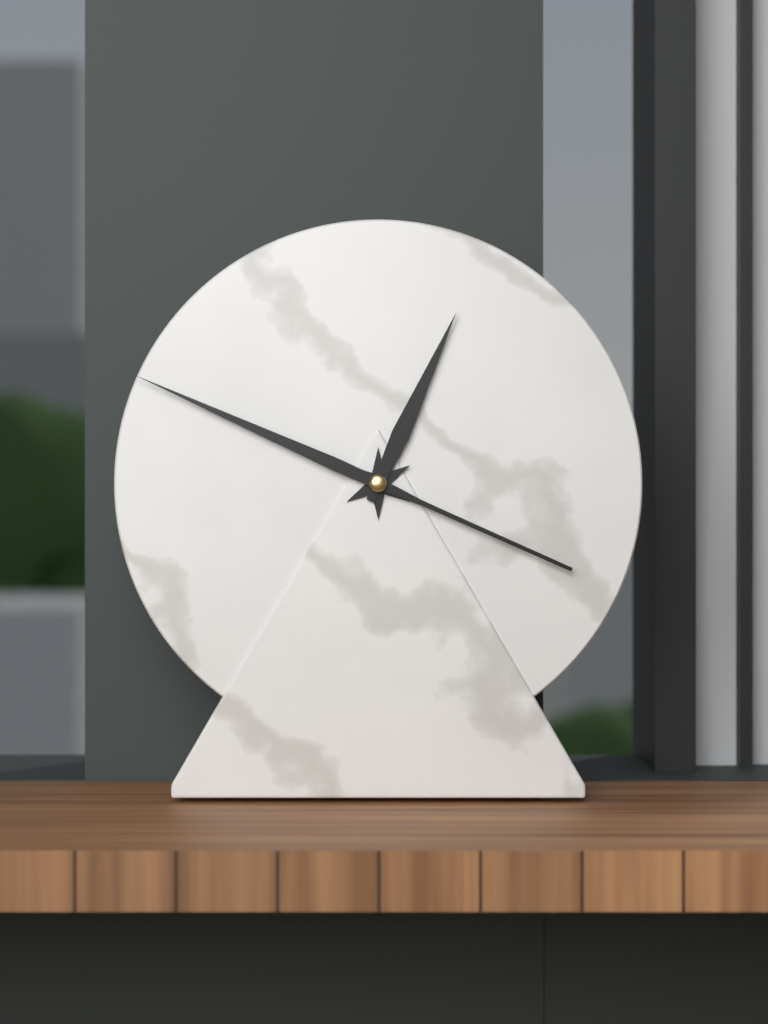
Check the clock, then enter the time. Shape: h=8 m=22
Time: h=12 m=49
